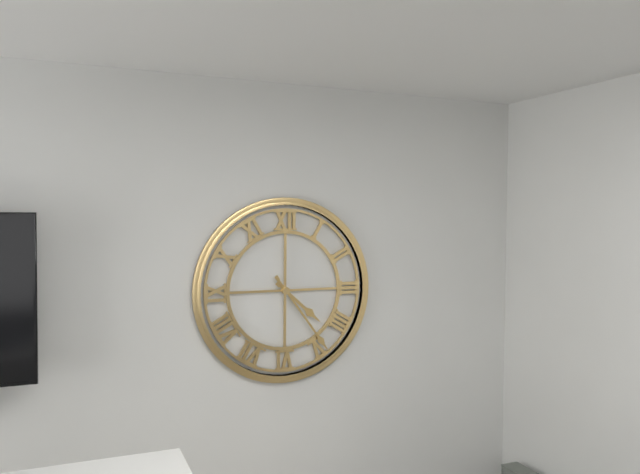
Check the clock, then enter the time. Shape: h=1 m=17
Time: h=4 m=24
